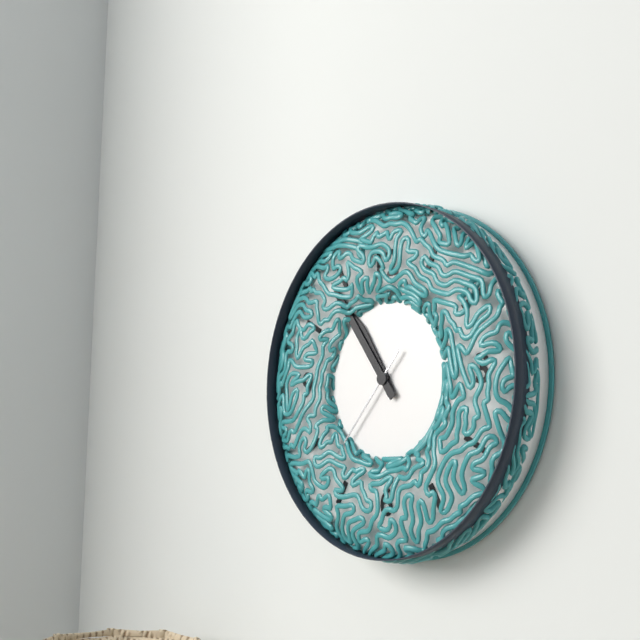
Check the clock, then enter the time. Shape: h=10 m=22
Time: h=10 m=54
